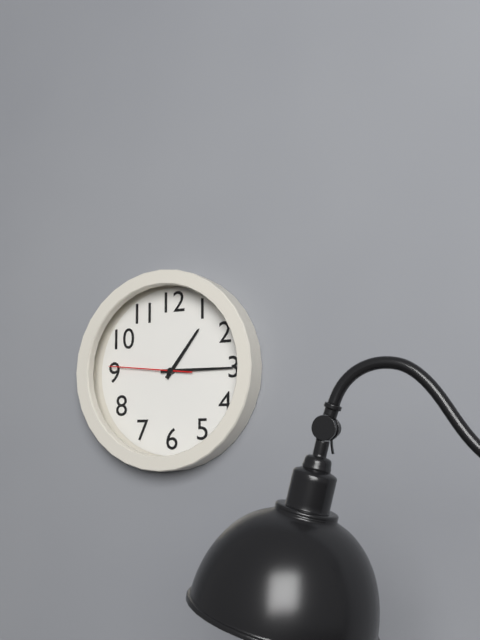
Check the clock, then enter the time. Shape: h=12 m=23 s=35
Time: h=1 m=15 s=46
